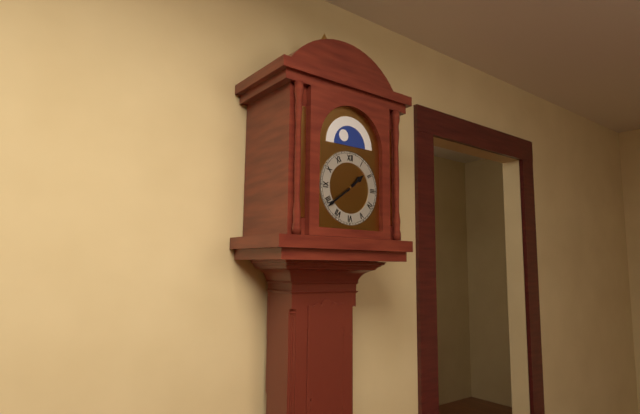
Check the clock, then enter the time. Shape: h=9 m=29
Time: h=1 m=39
